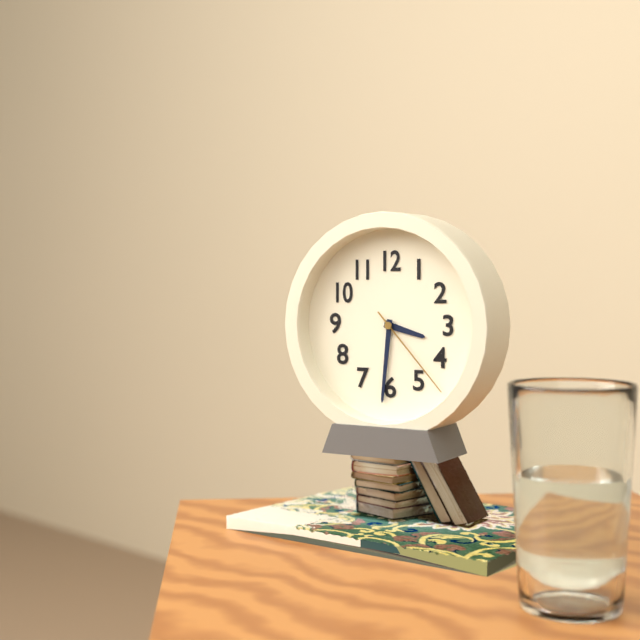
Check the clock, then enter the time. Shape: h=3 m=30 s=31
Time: h=3 m=31 s=23
